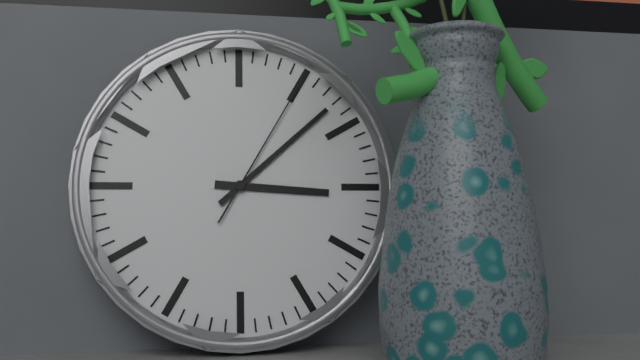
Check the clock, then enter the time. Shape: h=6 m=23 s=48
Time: h=3 m=8 s=5
